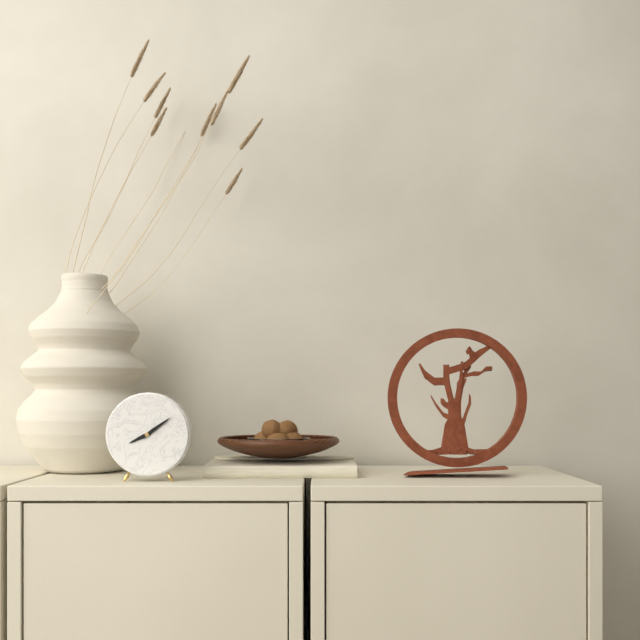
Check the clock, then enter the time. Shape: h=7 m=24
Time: h=8 m=9
